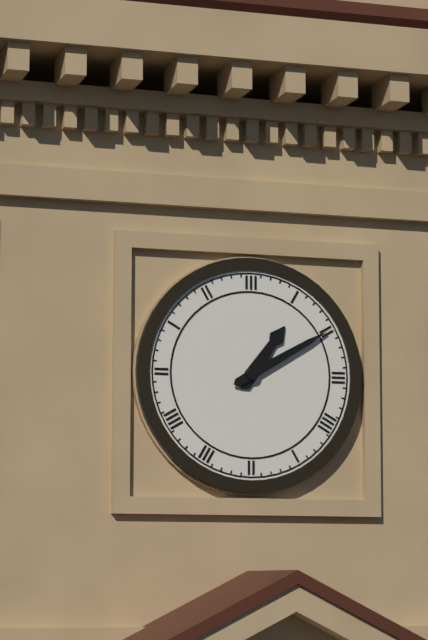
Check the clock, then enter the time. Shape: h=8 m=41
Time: h=1 m=10
